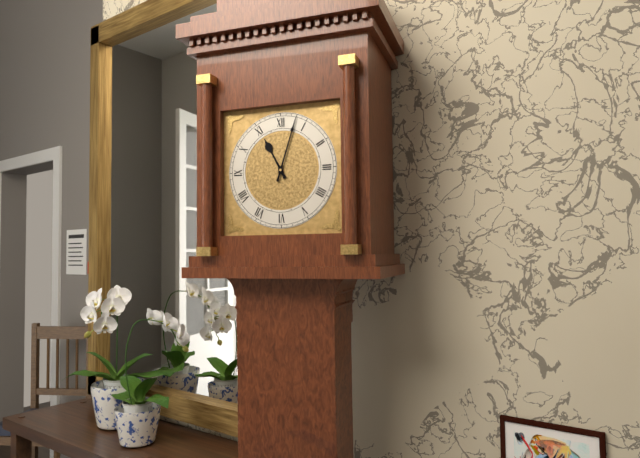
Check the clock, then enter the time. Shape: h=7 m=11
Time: h=11 m=3
